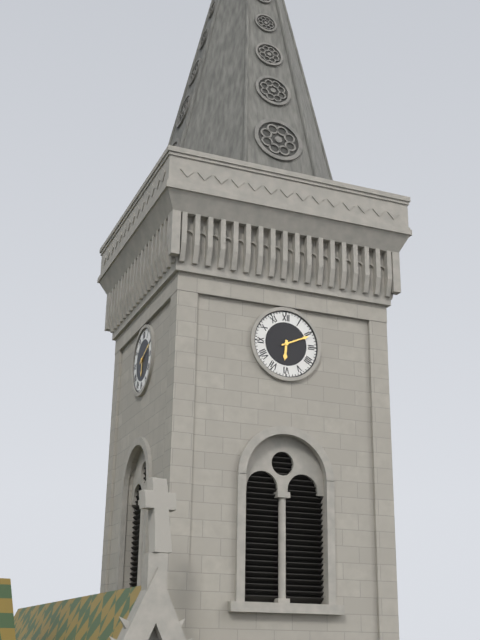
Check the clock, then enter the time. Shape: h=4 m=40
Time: h=6 m=11
